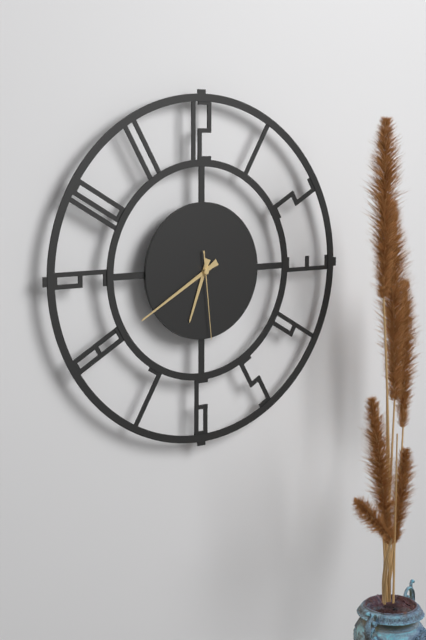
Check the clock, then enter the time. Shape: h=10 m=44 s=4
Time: h=6 m=40 s=29
